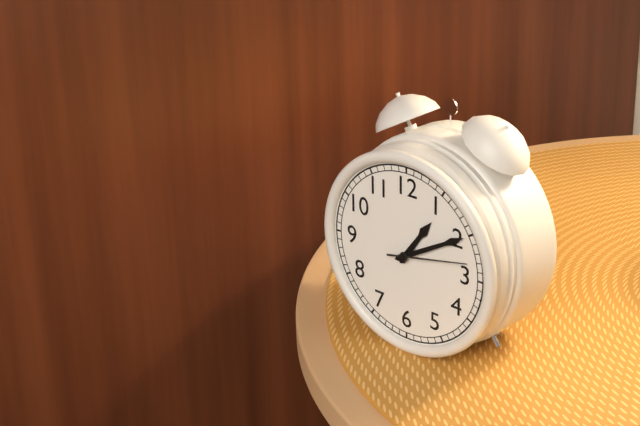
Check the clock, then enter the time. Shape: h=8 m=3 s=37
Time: h=1 m=10 s=13
